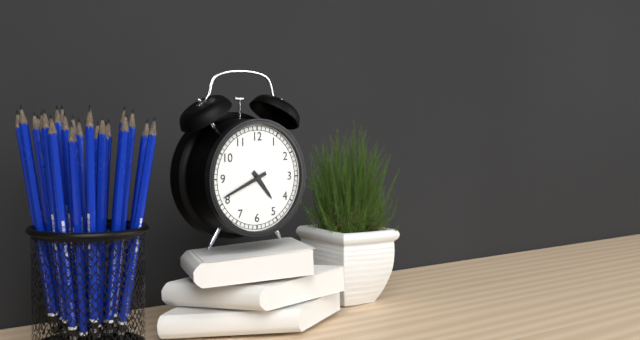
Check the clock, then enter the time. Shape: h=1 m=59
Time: h=4 m=41
